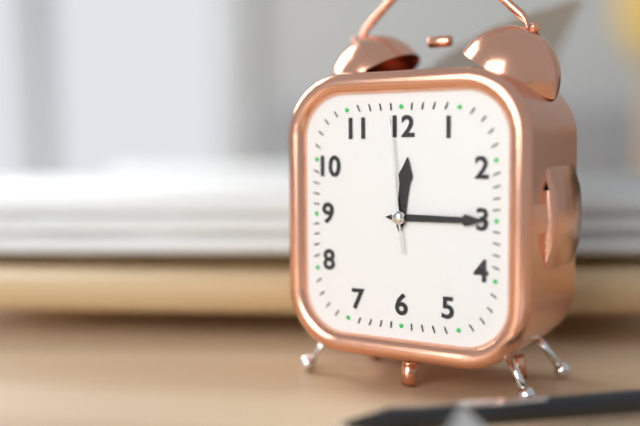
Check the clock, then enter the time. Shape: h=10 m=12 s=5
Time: h=12 m=15 s=59
